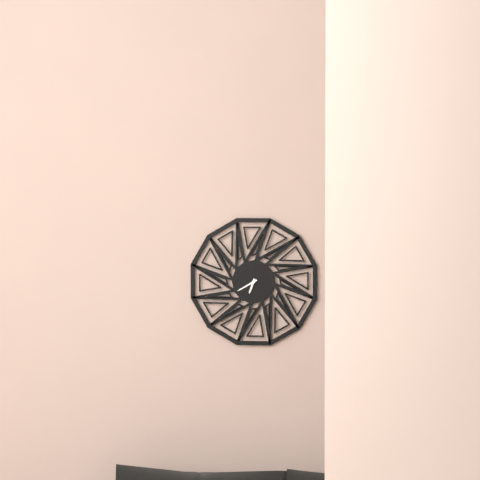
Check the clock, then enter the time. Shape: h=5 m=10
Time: h=6 m=40
